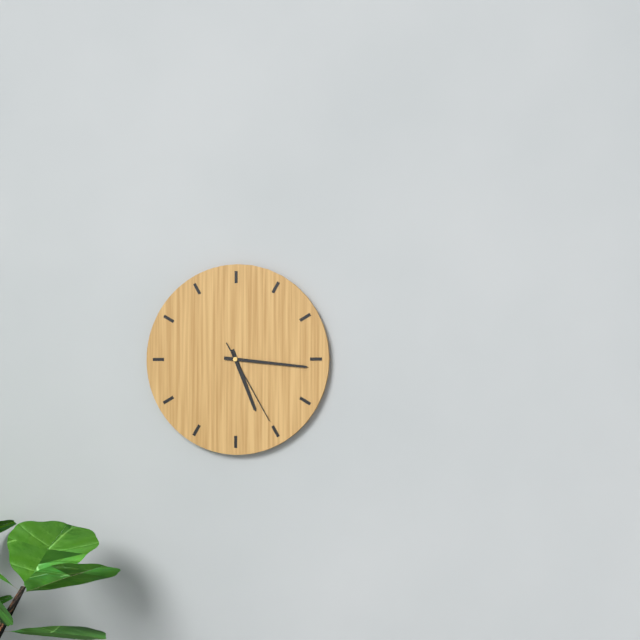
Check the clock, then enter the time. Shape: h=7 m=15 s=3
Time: h=5 m=16 s=25
